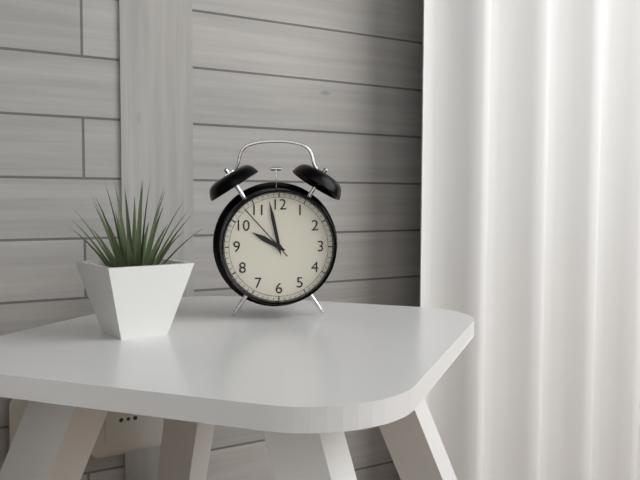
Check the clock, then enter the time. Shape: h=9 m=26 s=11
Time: h=9 m=58 s=53
